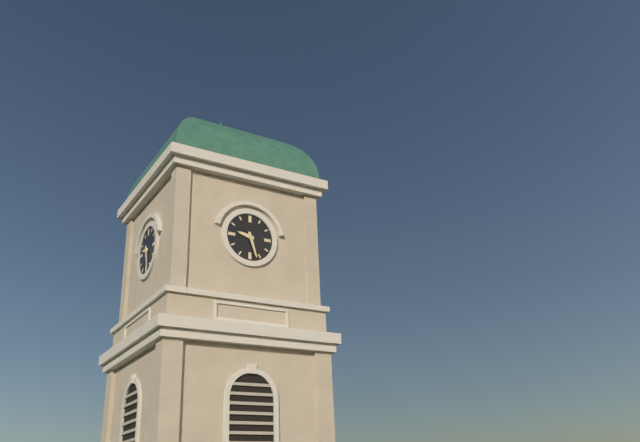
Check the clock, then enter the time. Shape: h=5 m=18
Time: h=9 m=27
